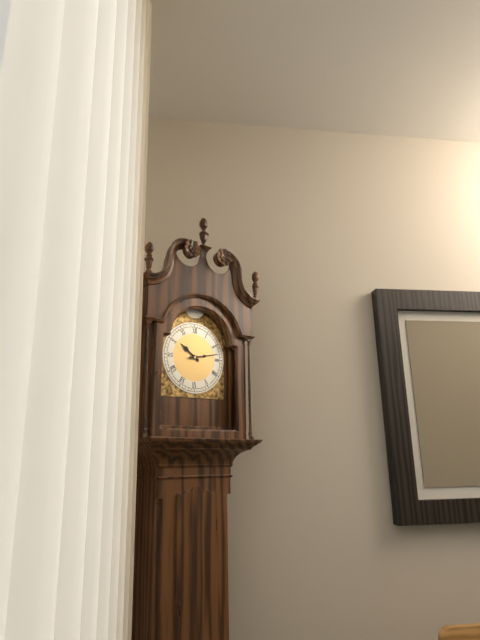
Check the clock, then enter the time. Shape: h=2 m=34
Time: h=10 m=13
